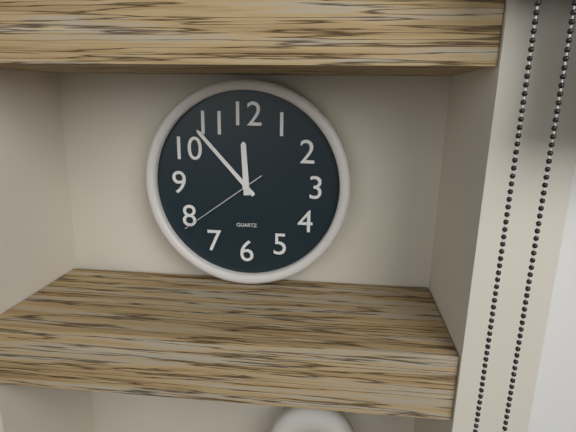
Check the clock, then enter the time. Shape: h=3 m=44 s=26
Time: h=11 m=53 s=39
